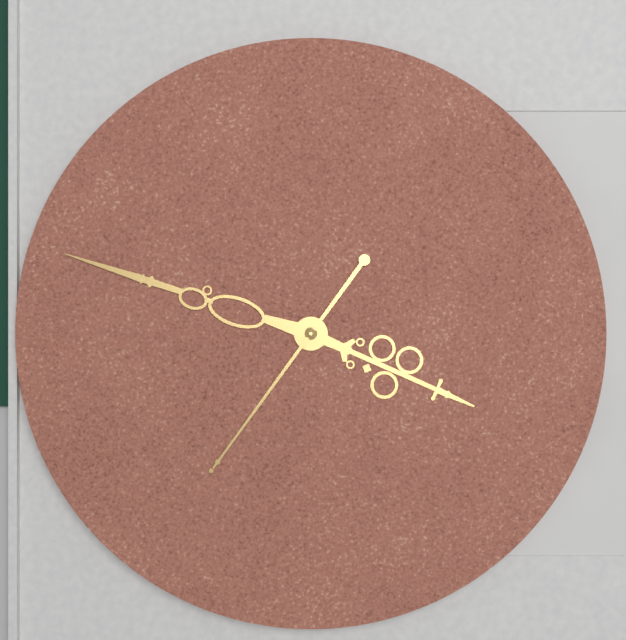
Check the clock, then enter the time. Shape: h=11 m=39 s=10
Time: h=3 m=48 s=36
